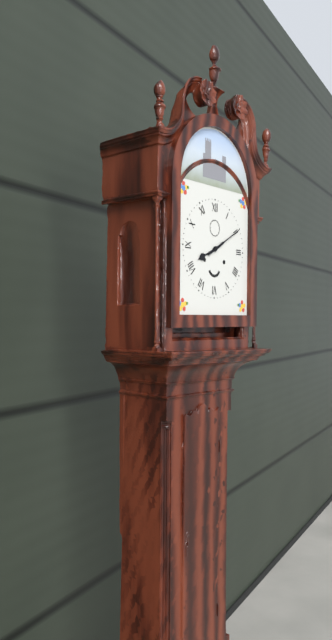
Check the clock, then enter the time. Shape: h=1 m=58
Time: h=8 m=10
